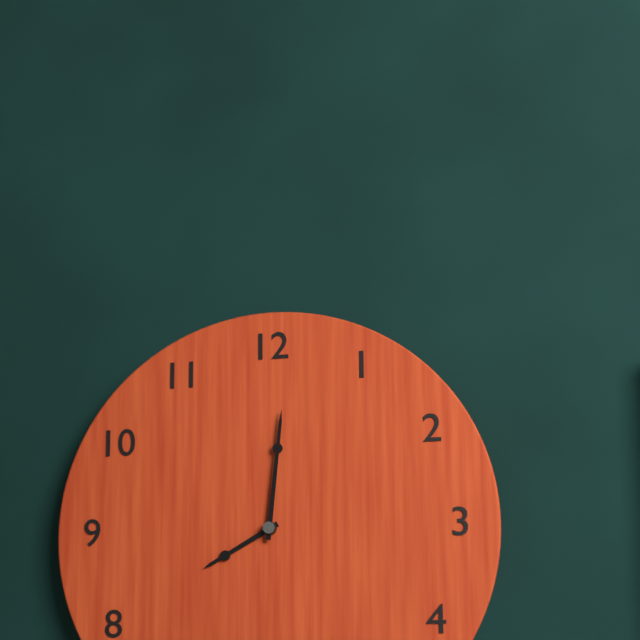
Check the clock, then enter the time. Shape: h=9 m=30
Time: h=8 m=1
